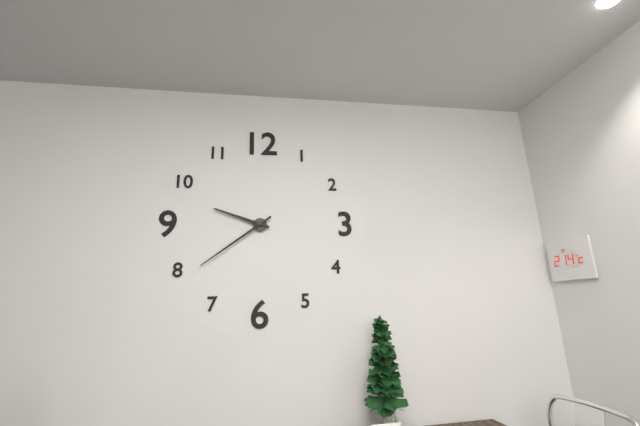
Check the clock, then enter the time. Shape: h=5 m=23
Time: h=9 m=39
